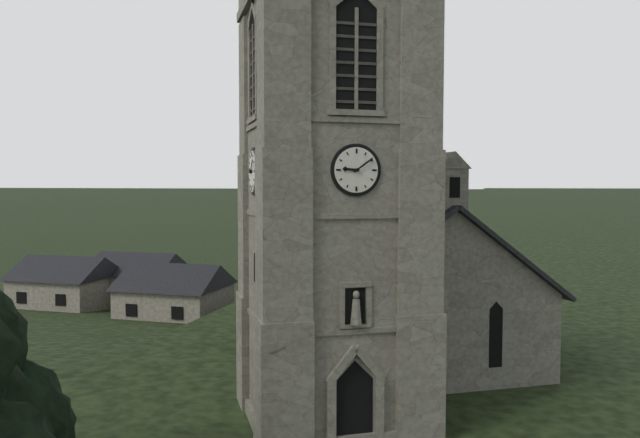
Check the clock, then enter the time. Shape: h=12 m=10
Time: h=9 m=9
